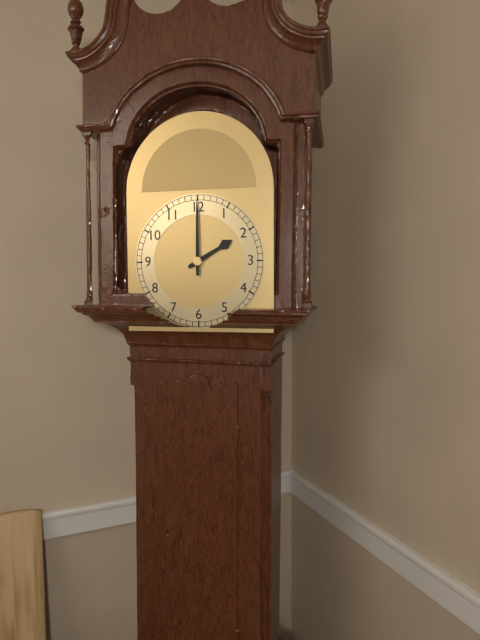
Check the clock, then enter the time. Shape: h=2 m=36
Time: h=2 m=0
